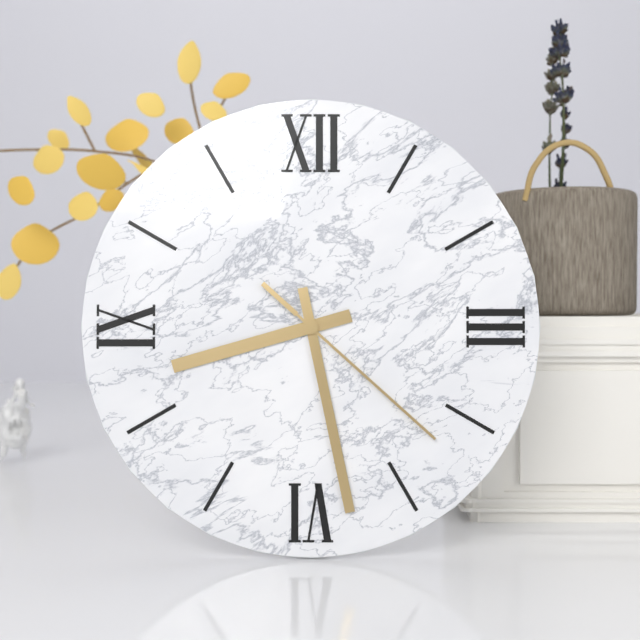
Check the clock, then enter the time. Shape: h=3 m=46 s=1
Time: h=8 m=28 s=22
